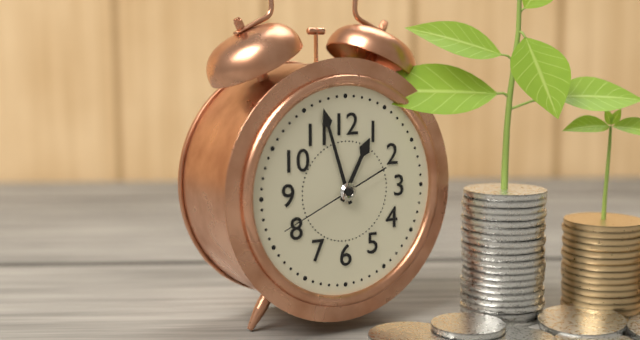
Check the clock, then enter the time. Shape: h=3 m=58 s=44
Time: h=12 m=57 s=41
